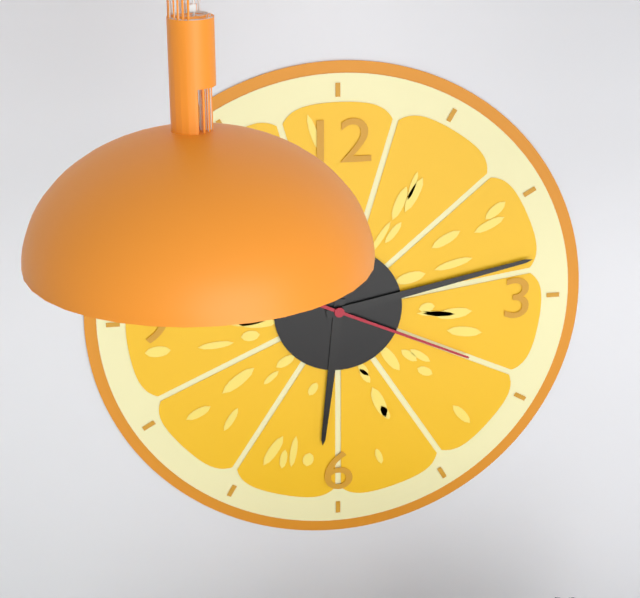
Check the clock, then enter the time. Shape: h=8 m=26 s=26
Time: h=6 m=13 s=19
